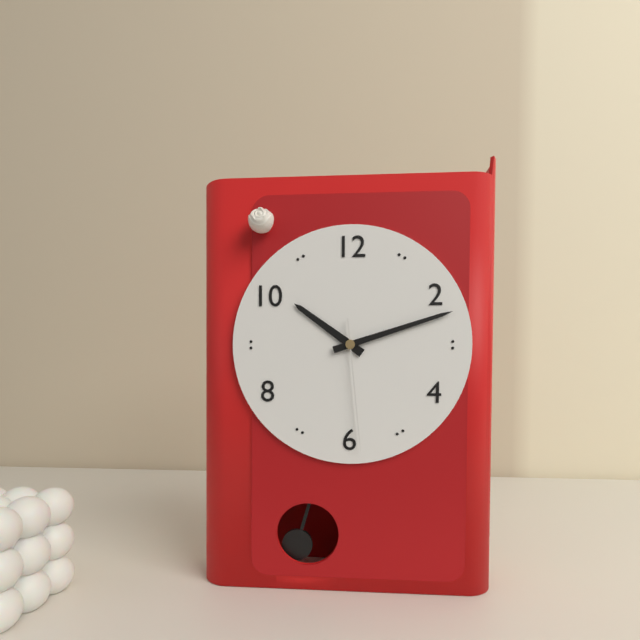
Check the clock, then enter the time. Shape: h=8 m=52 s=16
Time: h=10 m=12 s=29
